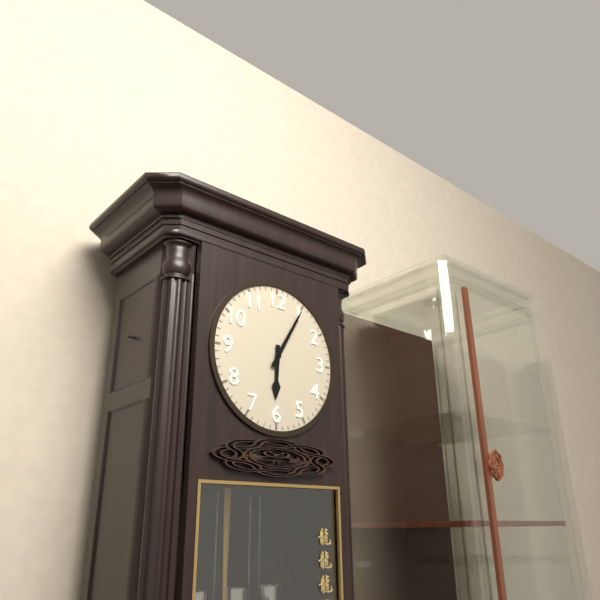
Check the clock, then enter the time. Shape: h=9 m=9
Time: h=6 m=5
